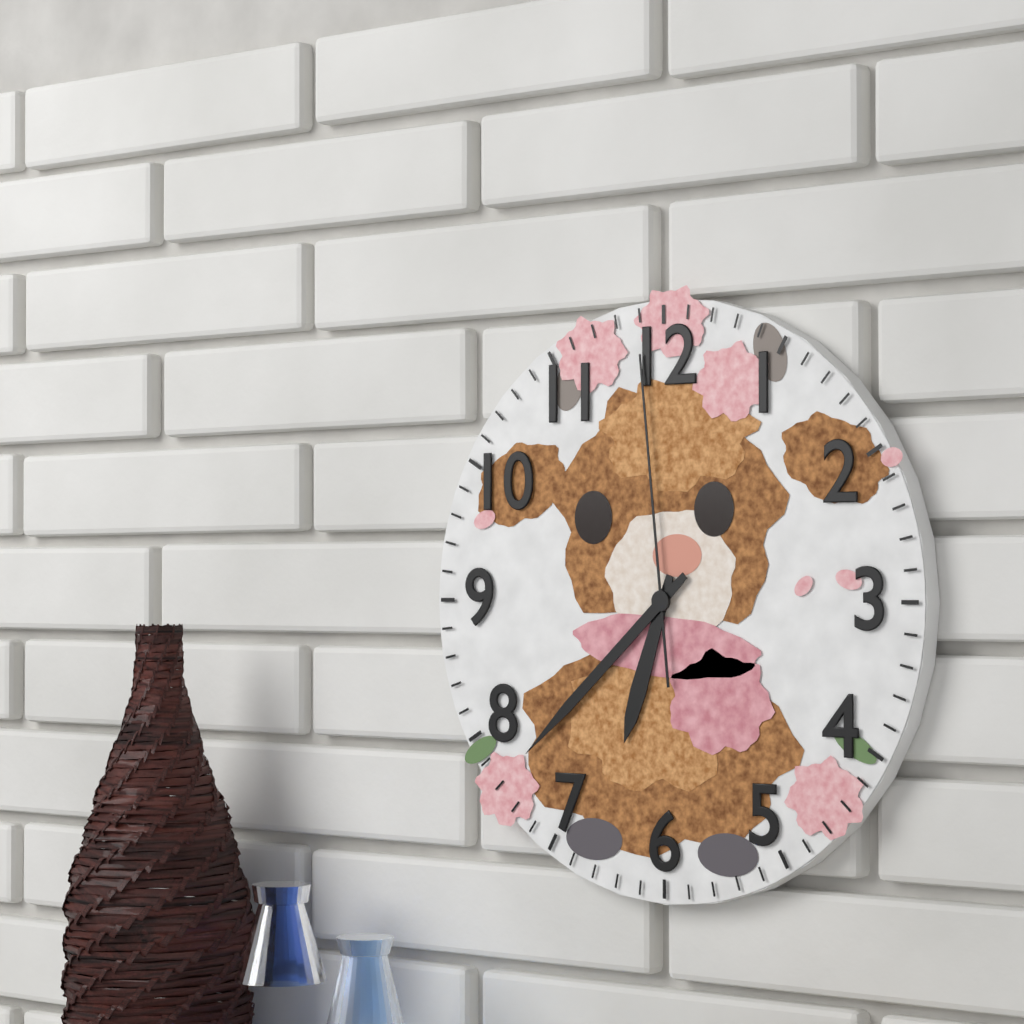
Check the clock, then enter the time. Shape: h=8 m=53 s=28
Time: h=6 m=38 s=59
